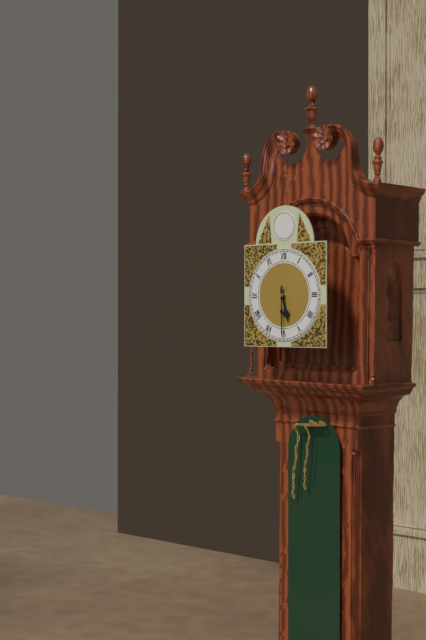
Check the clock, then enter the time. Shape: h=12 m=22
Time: h=5 m=30
